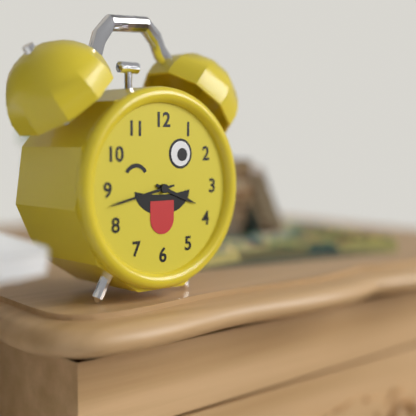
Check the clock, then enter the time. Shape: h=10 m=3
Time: h=3 m=43
